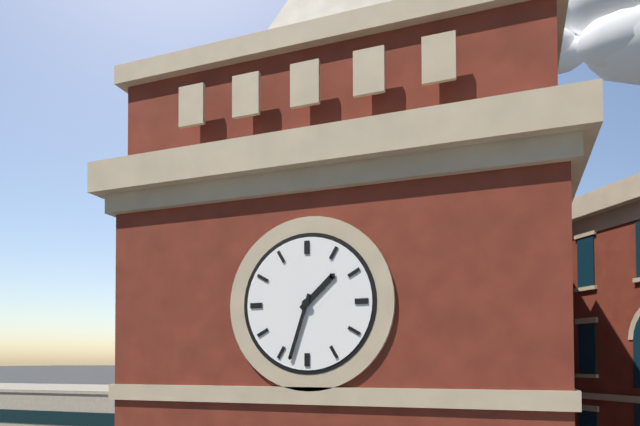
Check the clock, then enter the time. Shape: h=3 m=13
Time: h=1 m=33
